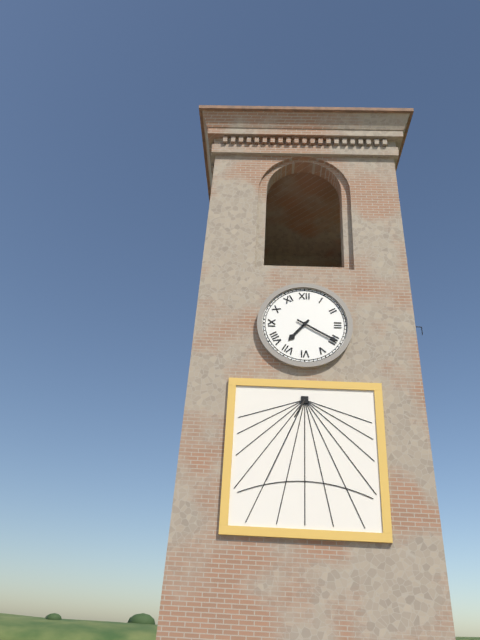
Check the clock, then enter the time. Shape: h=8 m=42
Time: h=7 m=20
